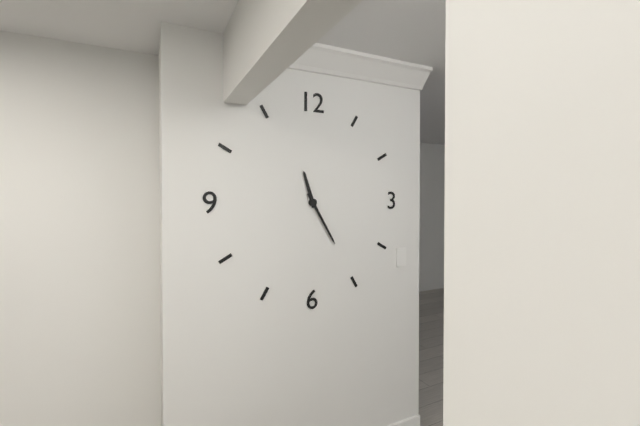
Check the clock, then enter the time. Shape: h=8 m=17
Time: h=11 m=25
